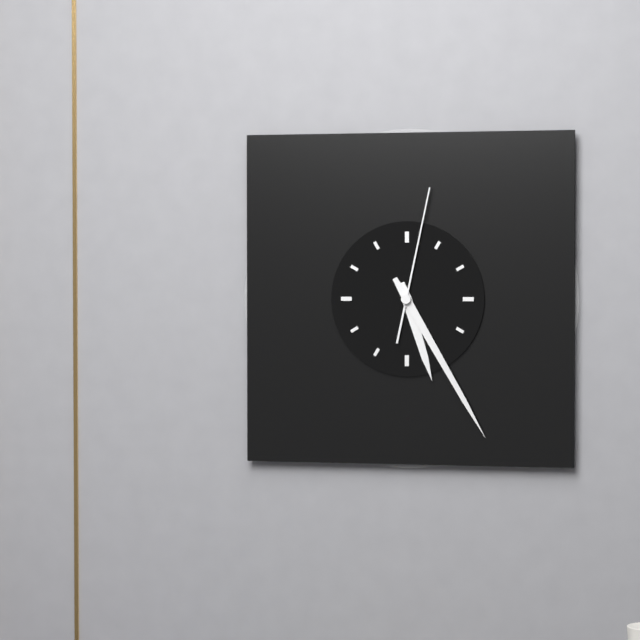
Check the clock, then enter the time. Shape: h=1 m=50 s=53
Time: h=5 m=25 s=2
